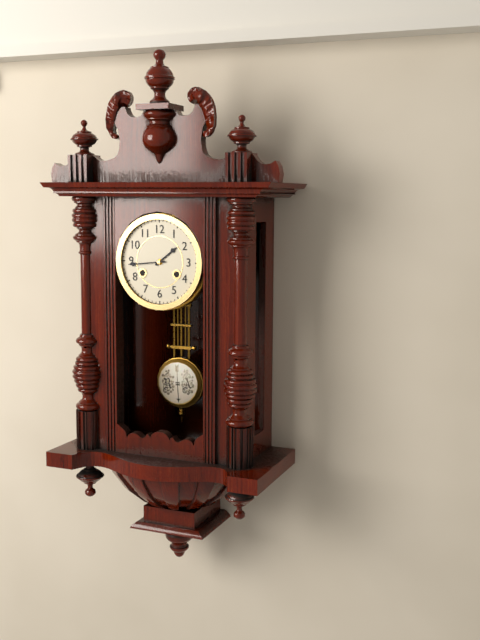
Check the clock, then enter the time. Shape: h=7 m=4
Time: h=1 m=44
